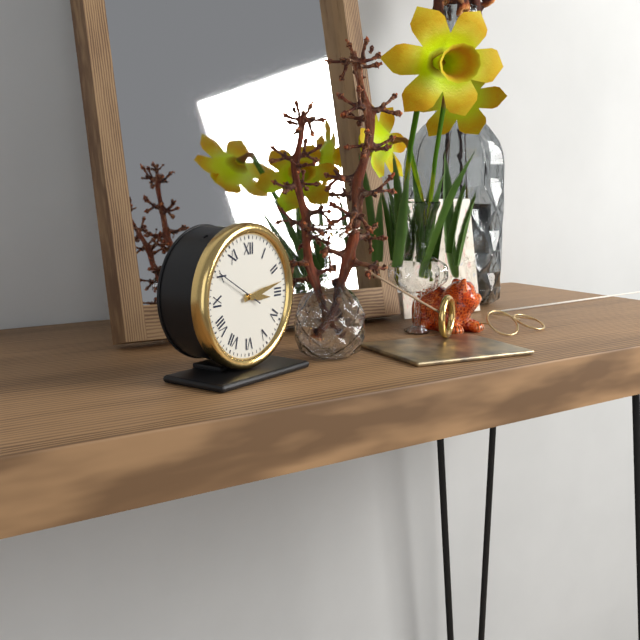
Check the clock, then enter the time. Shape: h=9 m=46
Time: h=3 m=13
